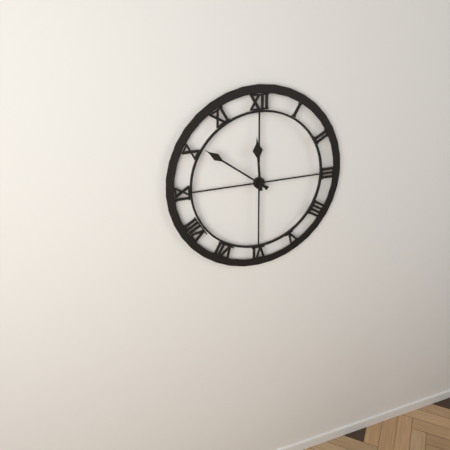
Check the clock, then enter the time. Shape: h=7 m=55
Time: h=11 m=51
